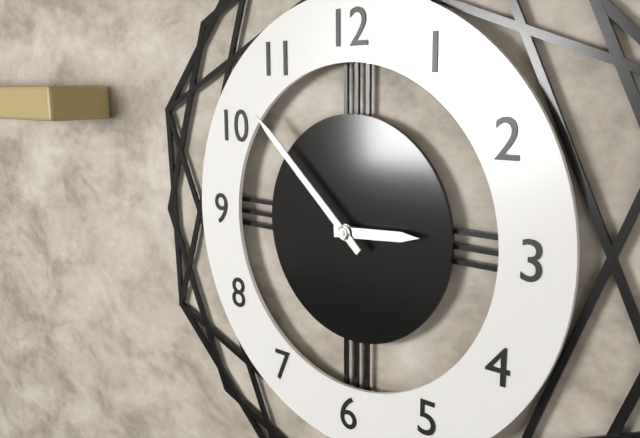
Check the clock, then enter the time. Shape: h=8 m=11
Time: h=2 m=52
